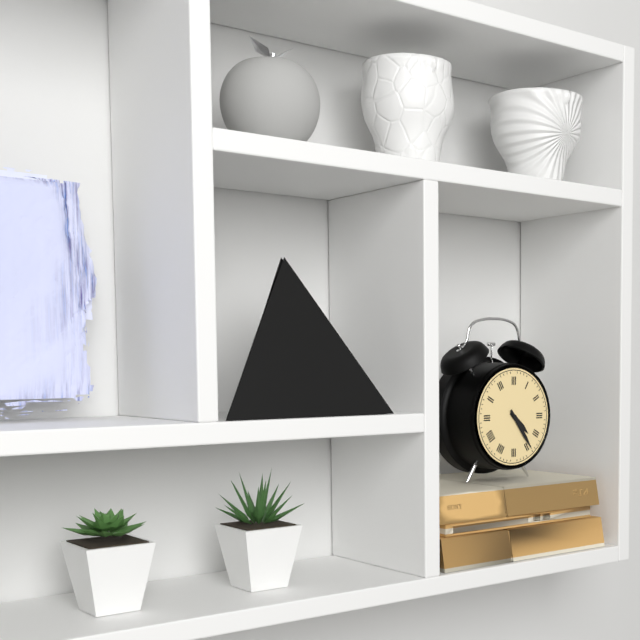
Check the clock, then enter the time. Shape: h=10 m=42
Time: h=4 m=24
